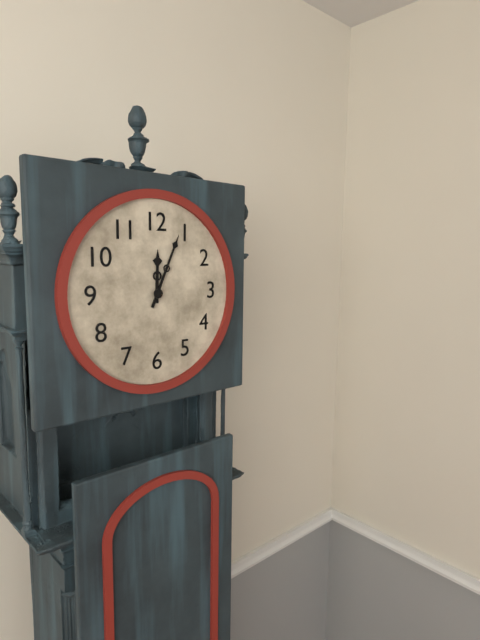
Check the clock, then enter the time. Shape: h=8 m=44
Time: h=12 m=4
